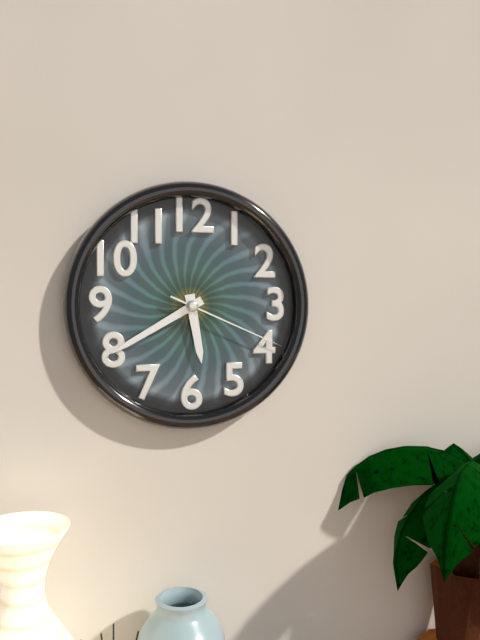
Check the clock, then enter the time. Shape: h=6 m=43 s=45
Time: h=5 m=40 s=19
